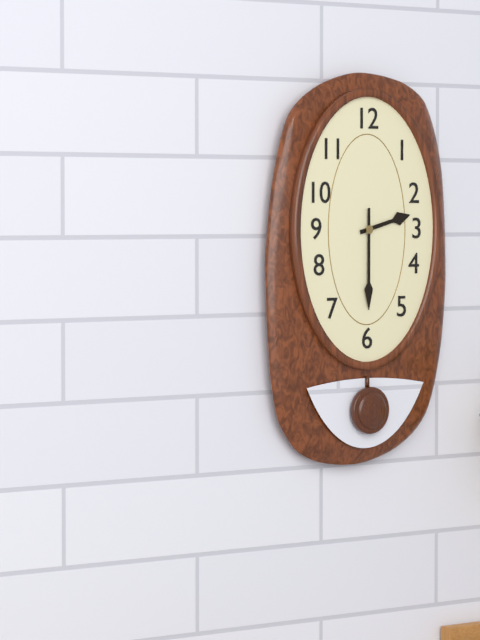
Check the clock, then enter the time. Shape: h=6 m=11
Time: h=2 m=30
